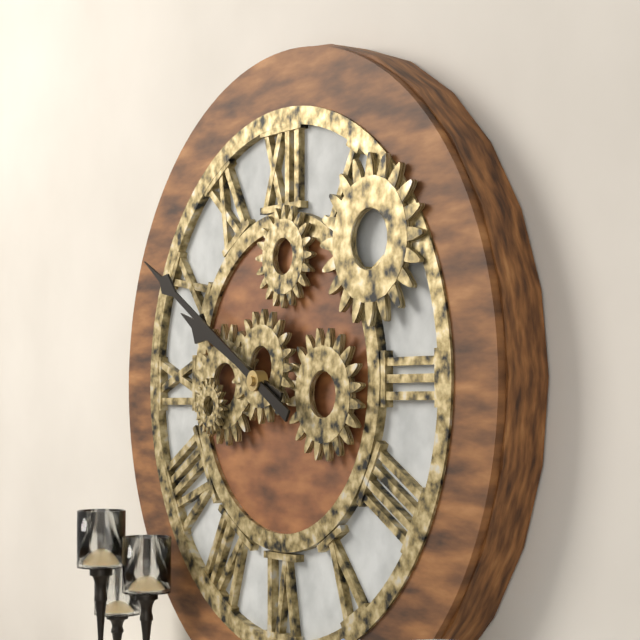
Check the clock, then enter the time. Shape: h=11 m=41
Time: h=9 m=50
